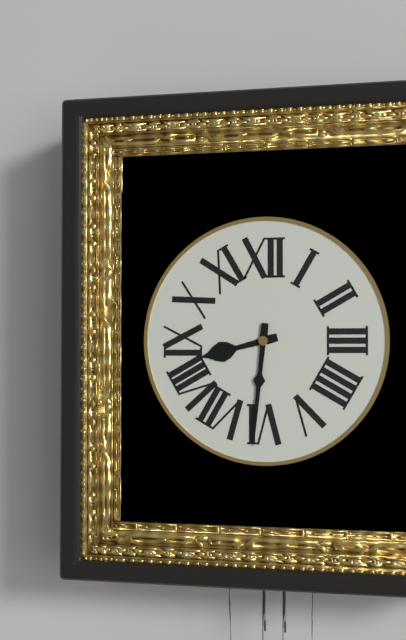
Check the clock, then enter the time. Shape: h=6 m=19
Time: h=8 m=31
